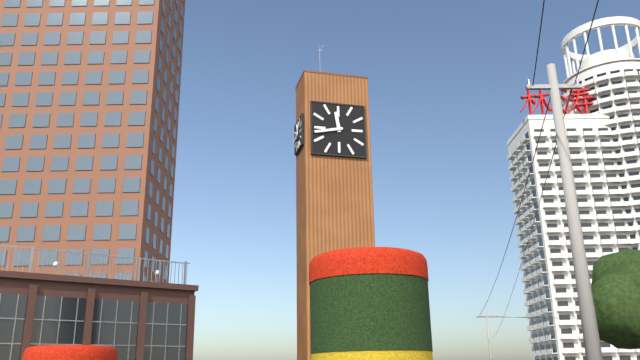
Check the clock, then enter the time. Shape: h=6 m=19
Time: h=11 m=43
